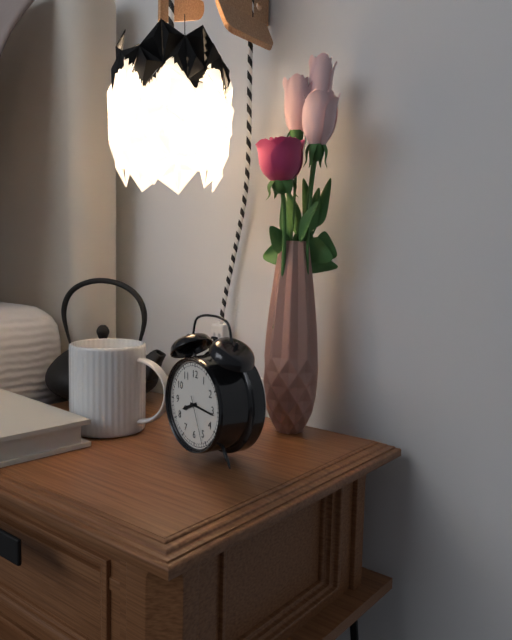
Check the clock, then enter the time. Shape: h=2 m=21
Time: h=8 m=16
